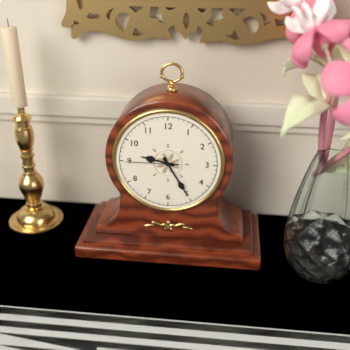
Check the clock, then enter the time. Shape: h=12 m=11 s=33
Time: h=9 m=25 s=45
